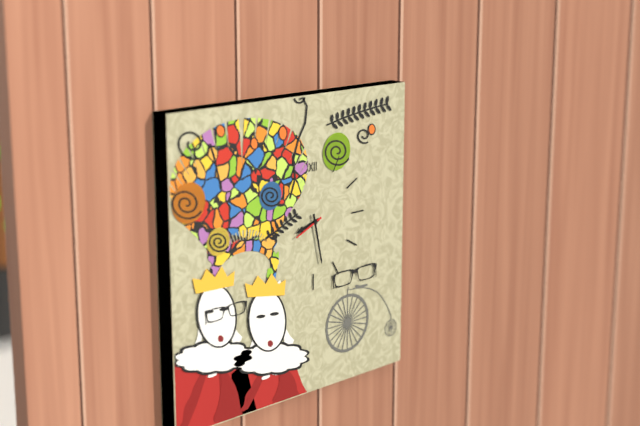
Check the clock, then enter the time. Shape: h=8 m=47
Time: h=8 m=28
